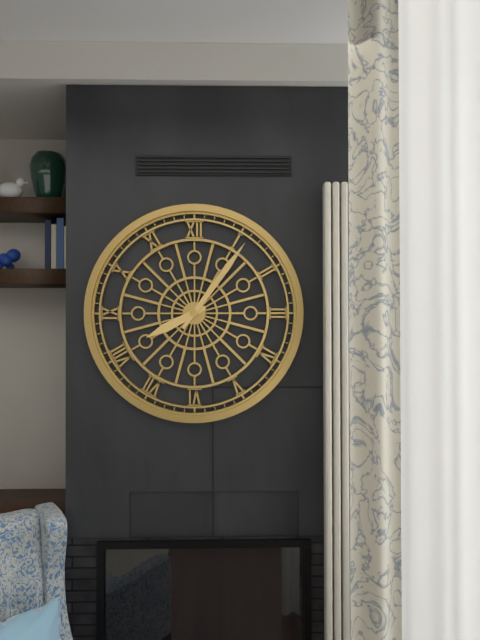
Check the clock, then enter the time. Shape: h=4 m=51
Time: h=8 m=6
